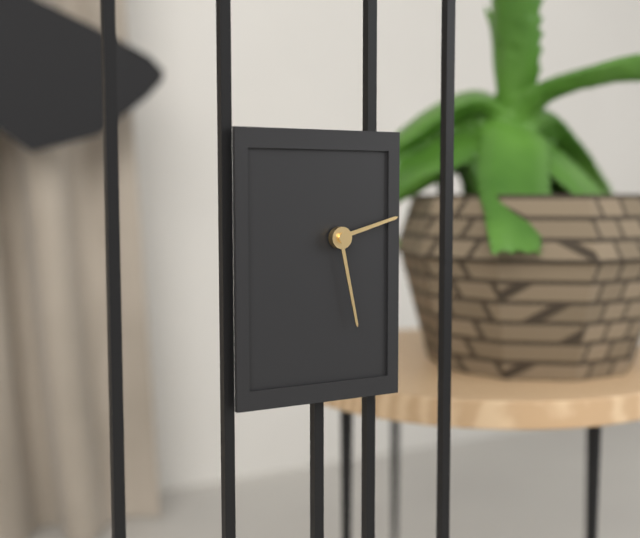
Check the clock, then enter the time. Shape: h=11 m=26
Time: h=2 m=28
